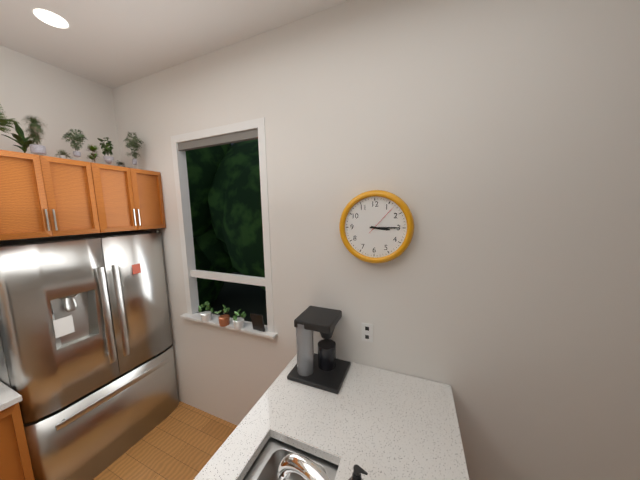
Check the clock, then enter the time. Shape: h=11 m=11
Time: h=3 m=15
